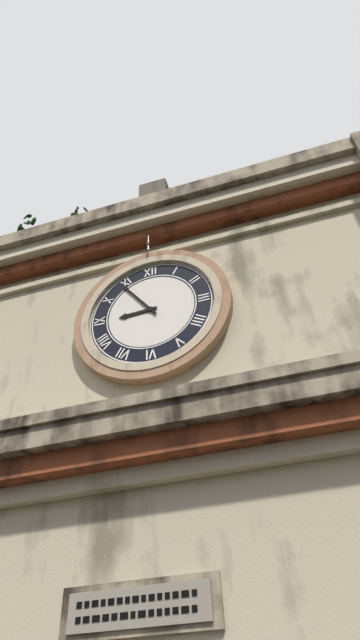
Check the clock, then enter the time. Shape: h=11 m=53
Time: h=8 m=54
